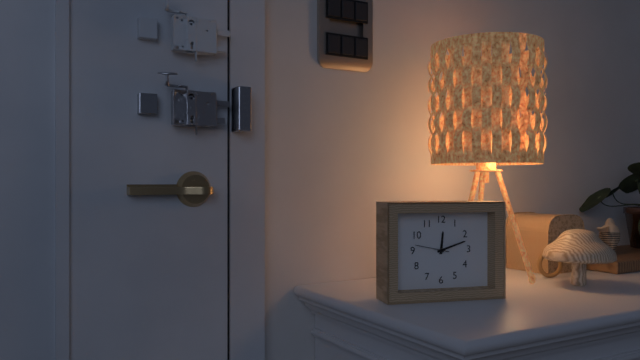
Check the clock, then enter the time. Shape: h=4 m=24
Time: h=12 m=12
